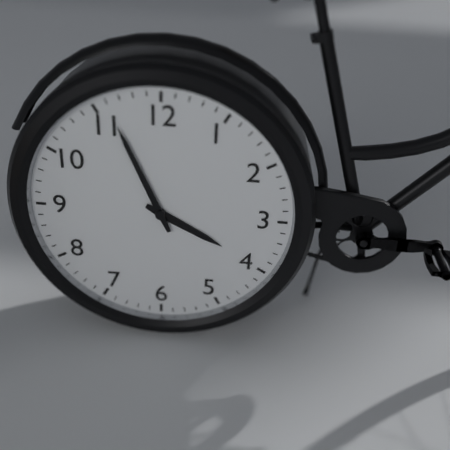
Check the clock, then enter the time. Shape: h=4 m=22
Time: h=3 m=56
